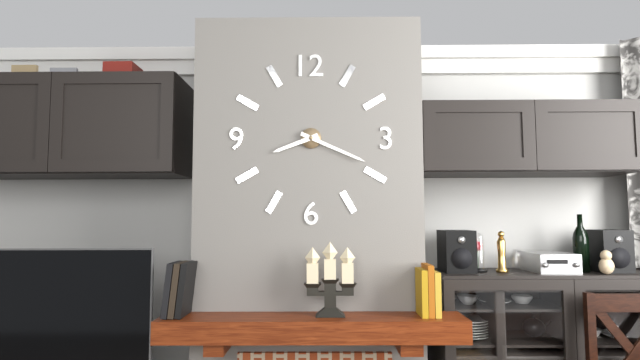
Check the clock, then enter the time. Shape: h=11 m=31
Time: h=8 m=19
